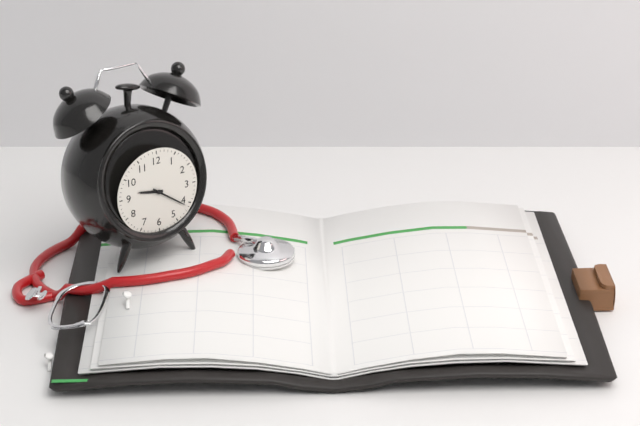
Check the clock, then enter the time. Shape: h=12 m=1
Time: h=9 m=21
